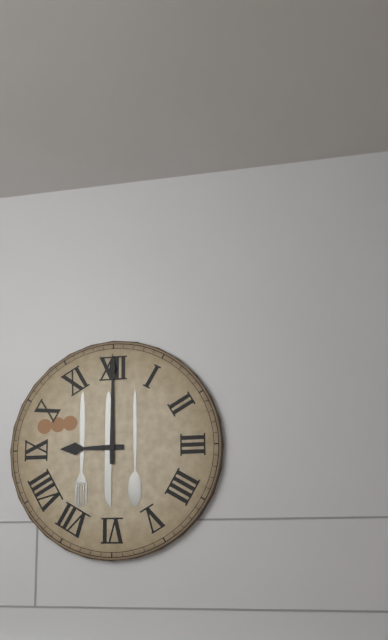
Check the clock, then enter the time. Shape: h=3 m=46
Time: h=9 m=0
